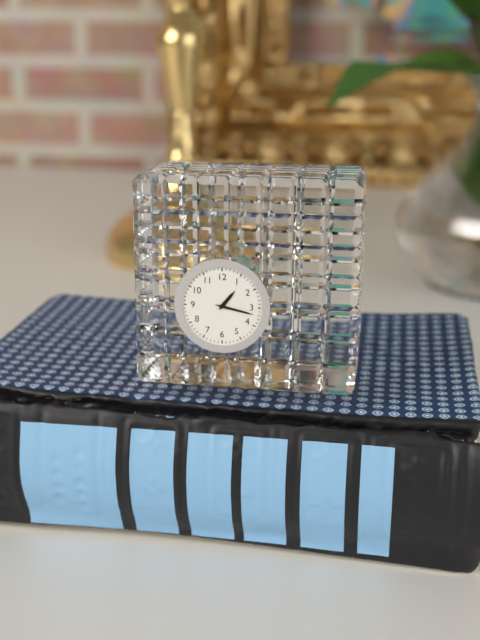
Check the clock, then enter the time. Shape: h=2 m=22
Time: h=1 m=17
